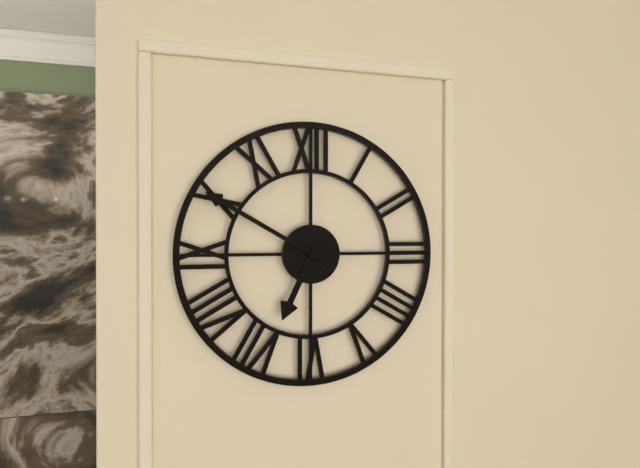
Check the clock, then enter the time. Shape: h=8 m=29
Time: h=6 m=50
